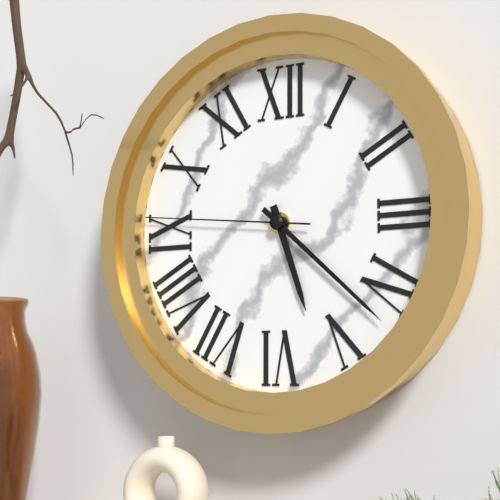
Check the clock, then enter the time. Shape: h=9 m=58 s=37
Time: h=5 m=22 s=46
